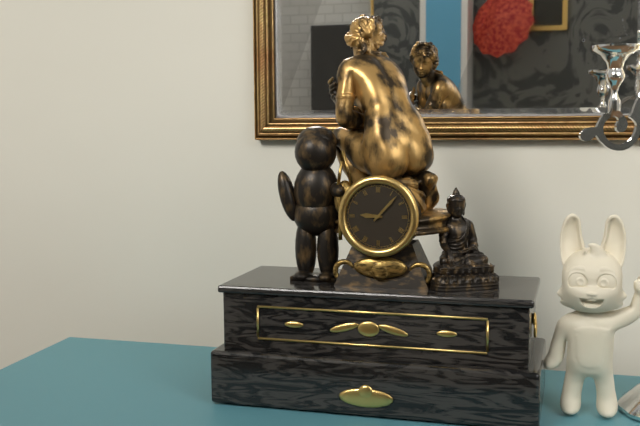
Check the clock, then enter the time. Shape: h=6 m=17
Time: h=9 m=7
